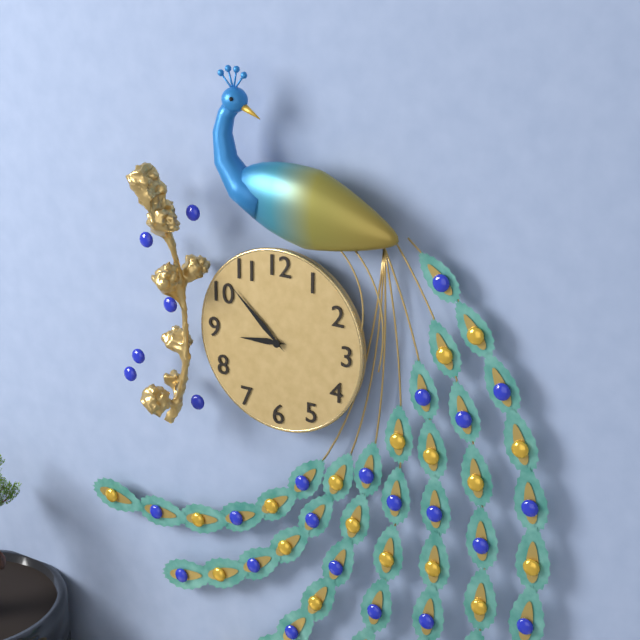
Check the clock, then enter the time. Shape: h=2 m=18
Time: h=8 m=52
